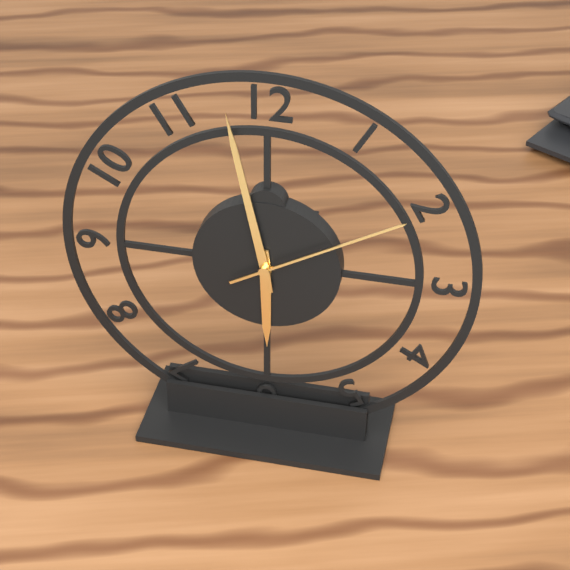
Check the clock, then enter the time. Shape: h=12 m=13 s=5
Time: h=5 m=58 s=10
